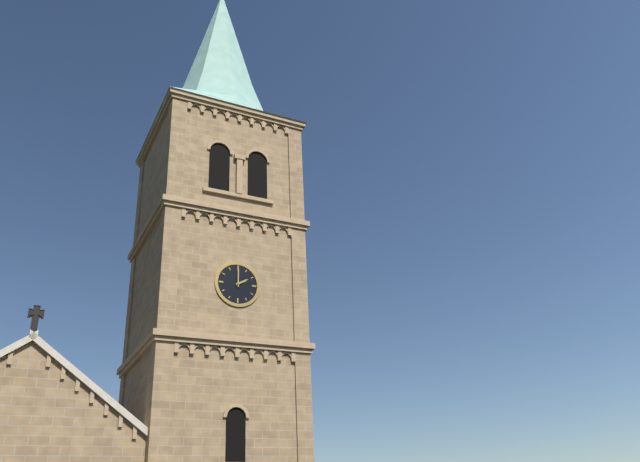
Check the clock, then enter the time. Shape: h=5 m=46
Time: h=2 m=0
